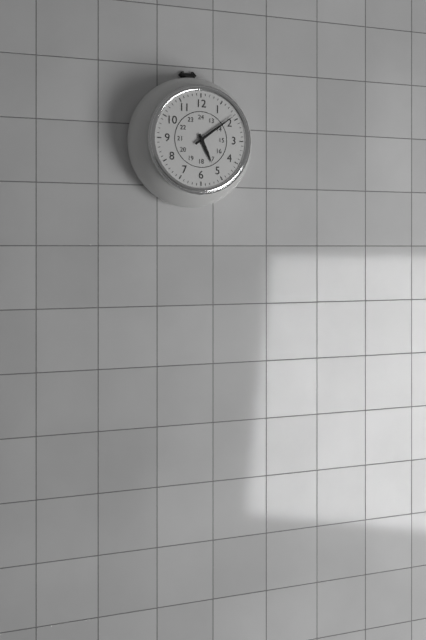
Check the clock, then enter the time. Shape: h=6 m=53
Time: h=5 m=9
